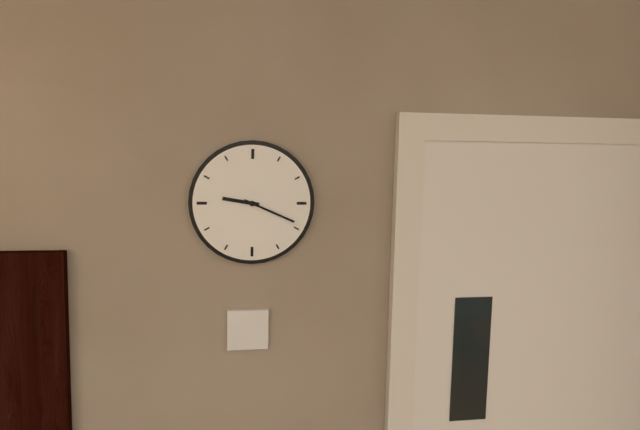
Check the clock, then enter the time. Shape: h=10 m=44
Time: h=9 m=19
